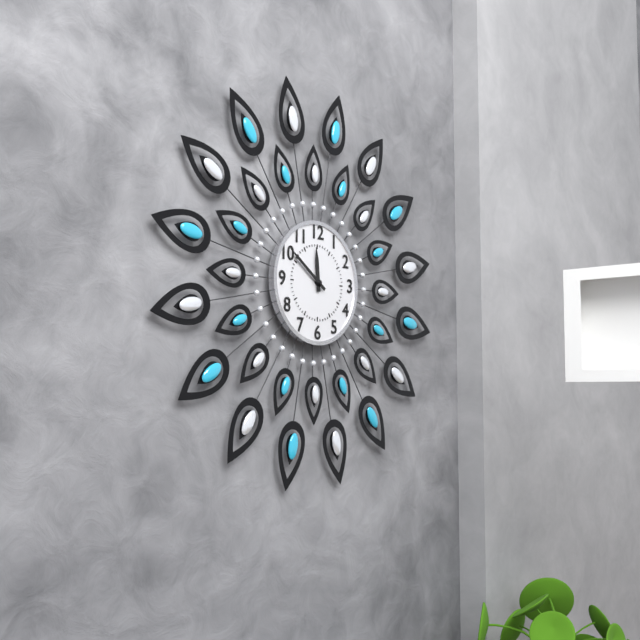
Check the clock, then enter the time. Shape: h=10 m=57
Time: h=11 m=51
